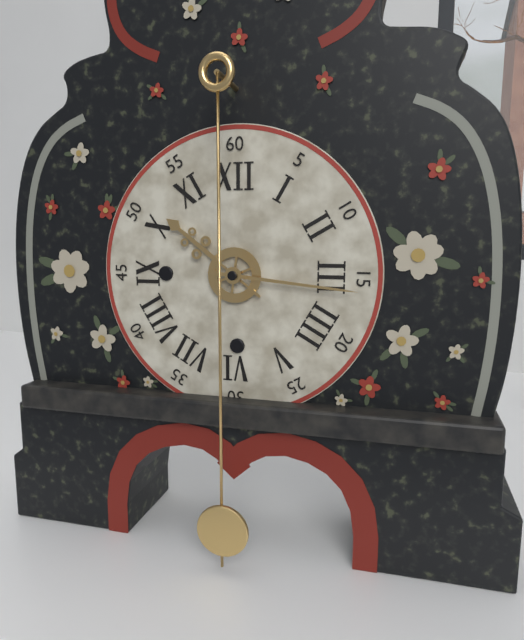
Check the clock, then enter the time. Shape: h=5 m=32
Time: h=10 m=16
